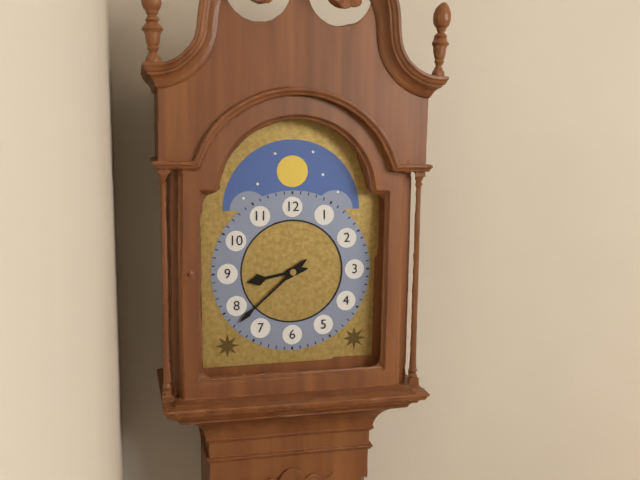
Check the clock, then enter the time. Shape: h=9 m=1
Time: h=8 m=38
